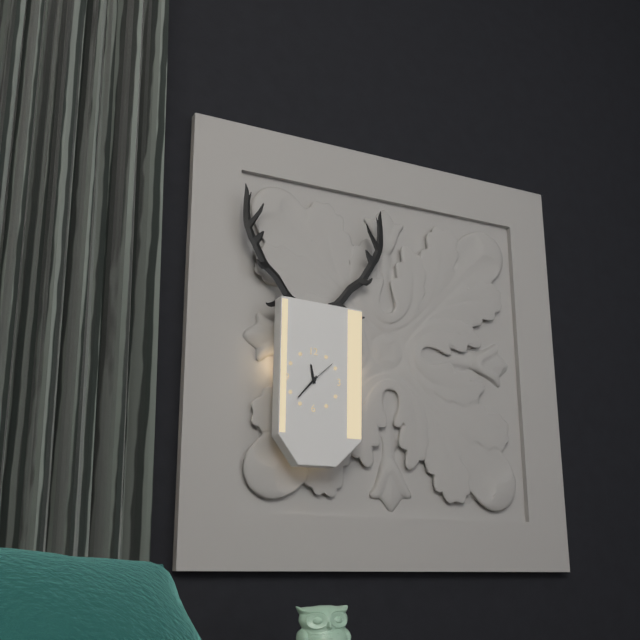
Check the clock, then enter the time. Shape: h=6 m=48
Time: h=11 m=37
